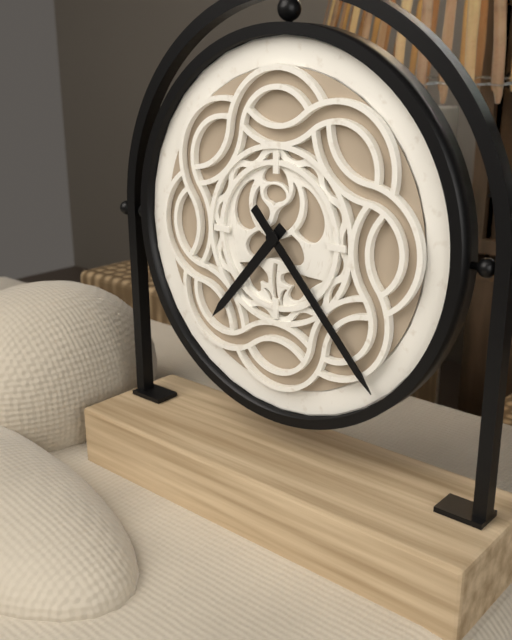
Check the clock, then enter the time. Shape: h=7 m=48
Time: h=7 m=23
